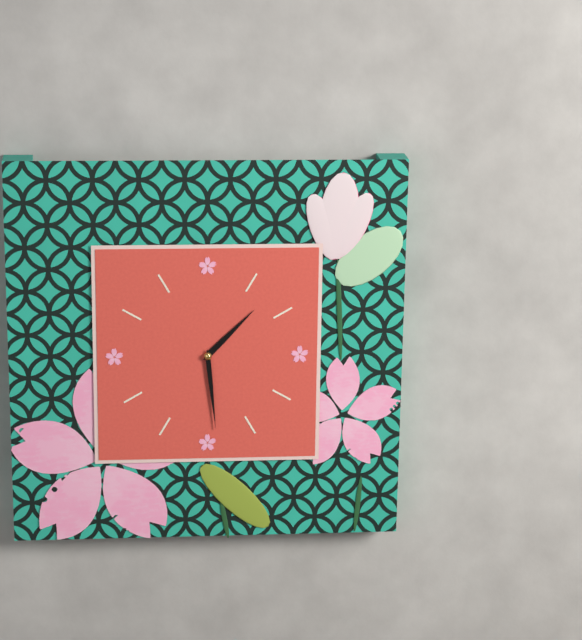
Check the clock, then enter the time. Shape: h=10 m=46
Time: h=1 m=29
